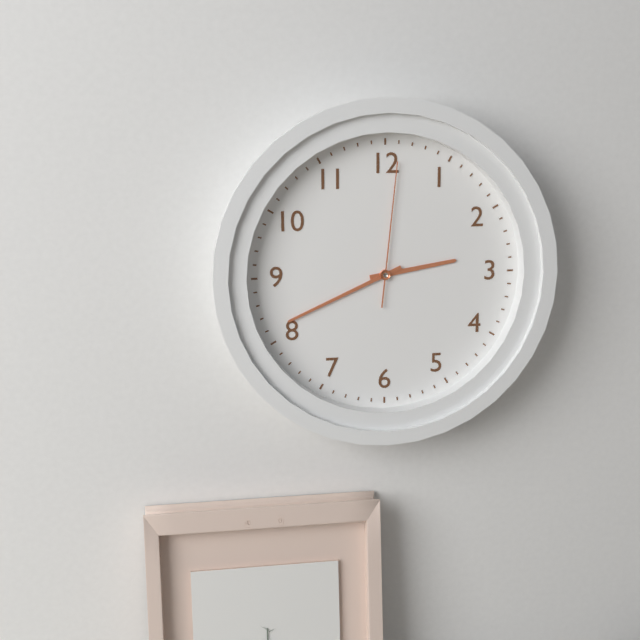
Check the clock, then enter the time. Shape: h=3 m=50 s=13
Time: h=2 m=41 s=1
